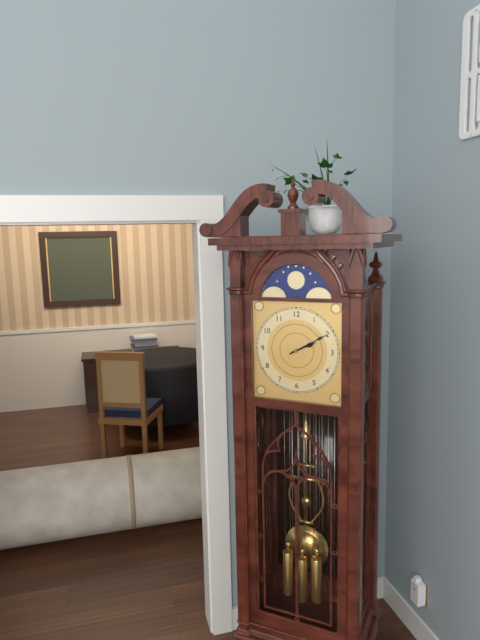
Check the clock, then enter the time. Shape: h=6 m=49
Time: h=2 m=10
